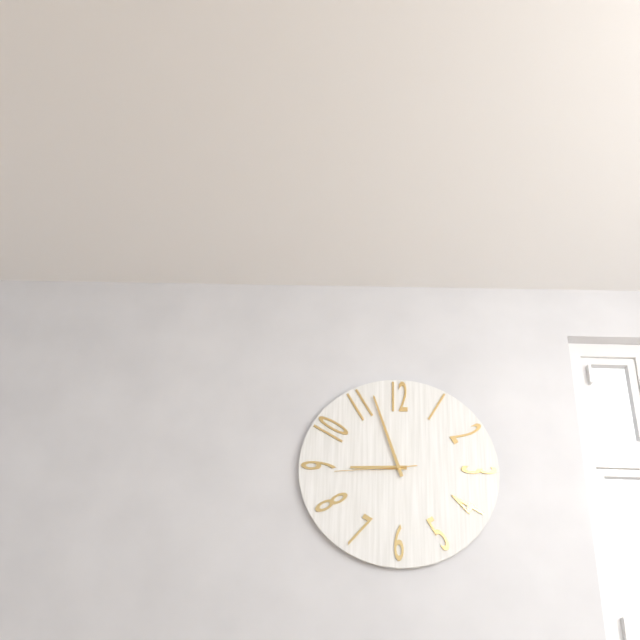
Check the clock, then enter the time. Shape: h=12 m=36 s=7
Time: h=8 m=57 s=44
